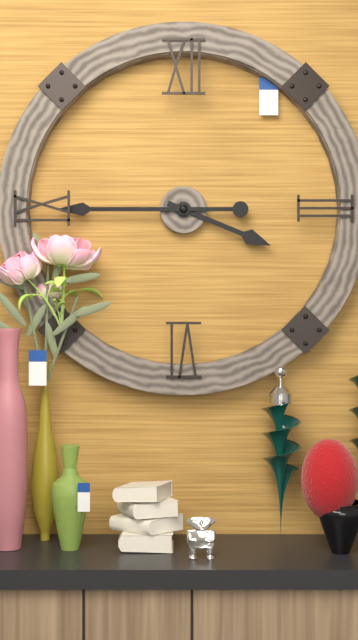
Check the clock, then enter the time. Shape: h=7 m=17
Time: h=3 m=45
